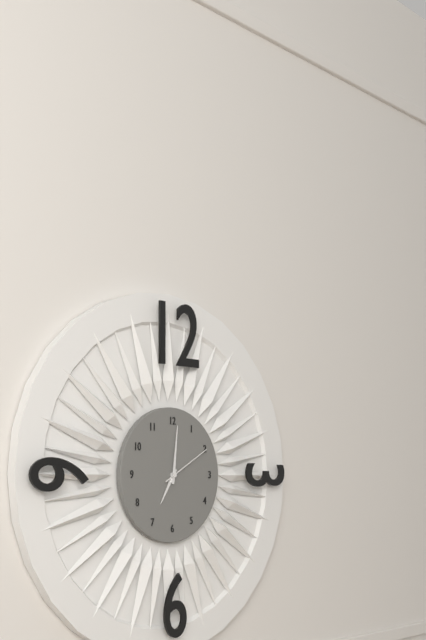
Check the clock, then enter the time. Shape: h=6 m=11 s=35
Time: h=7 m=1 s=10
